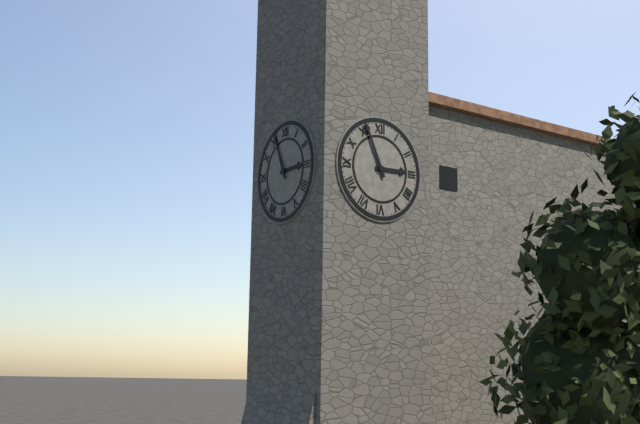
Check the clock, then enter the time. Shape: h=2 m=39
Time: h=2 m=56
